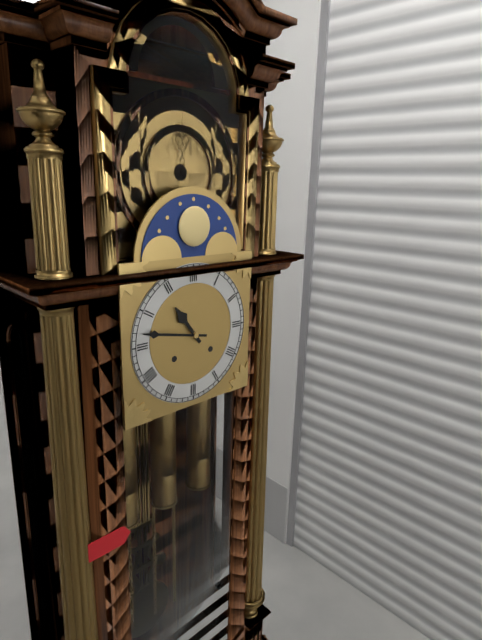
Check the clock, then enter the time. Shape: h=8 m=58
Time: h=10 m=47
